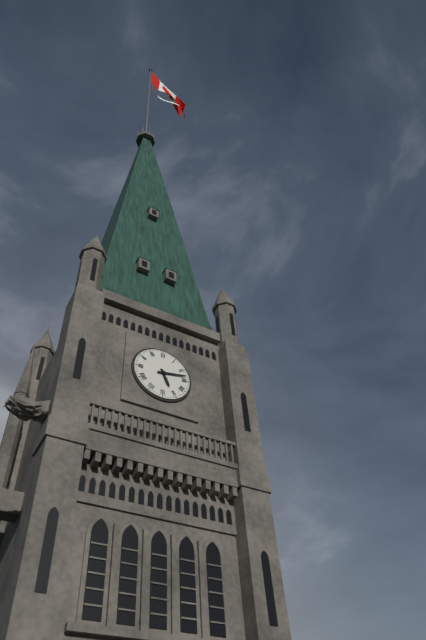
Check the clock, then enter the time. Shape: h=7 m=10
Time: h=5 m=13
